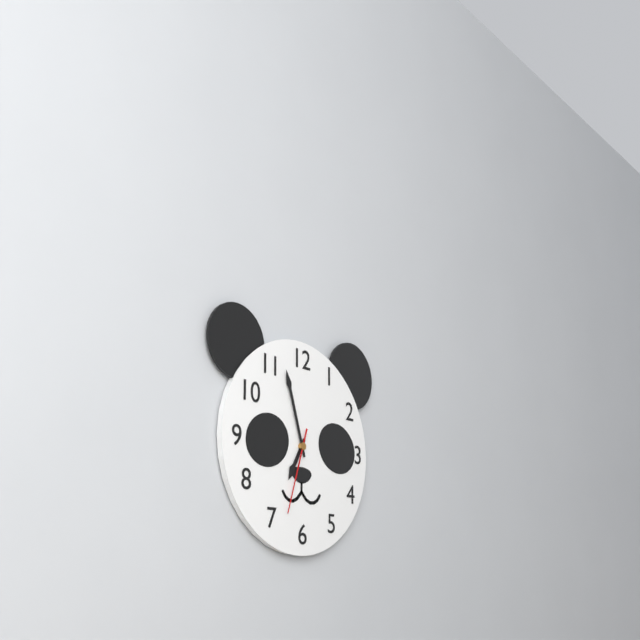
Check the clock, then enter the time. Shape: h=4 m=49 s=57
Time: h=6 m=57 s=33
